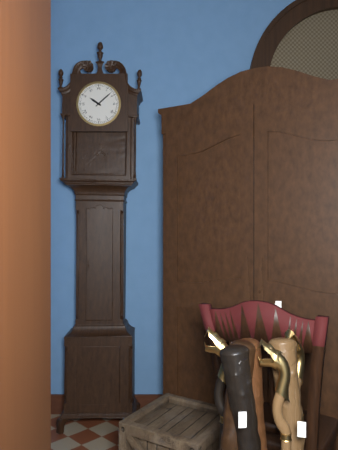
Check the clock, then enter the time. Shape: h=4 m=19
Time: h=10 m=8
